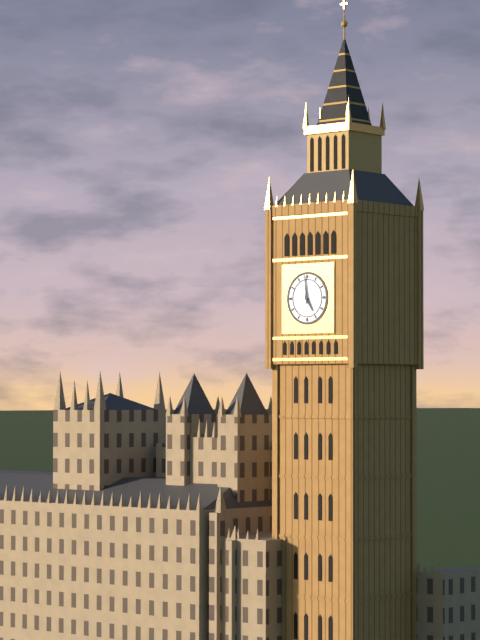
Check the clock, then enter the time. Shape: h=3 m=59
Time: h=4 m=59
